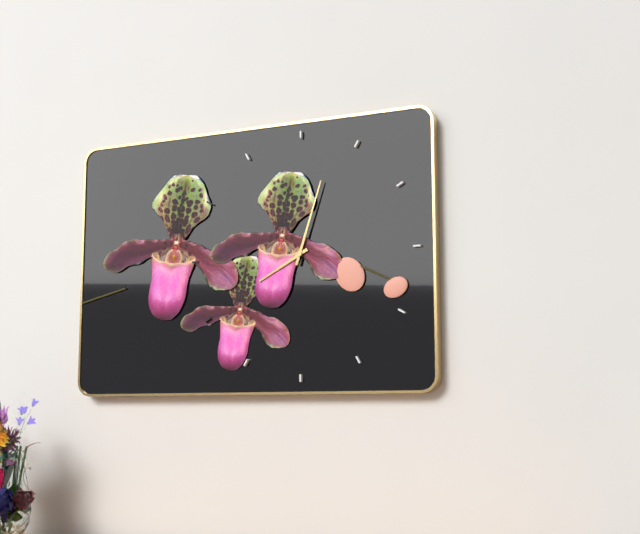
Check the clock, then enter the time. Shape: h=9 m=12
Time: h=8 m=3
